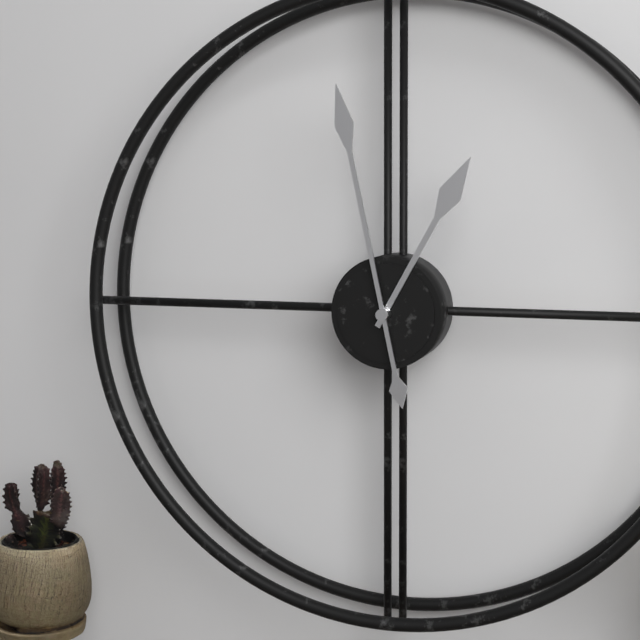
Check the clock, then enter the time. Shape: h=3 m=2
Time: h=12 m=58
